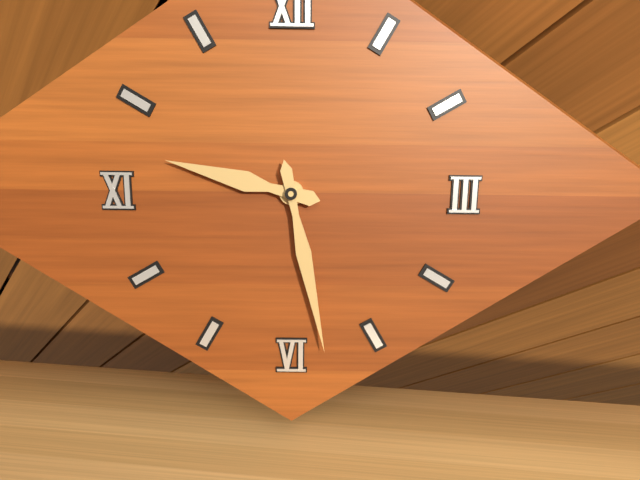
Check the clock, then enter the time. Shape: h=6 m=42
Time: h=9 m=28
